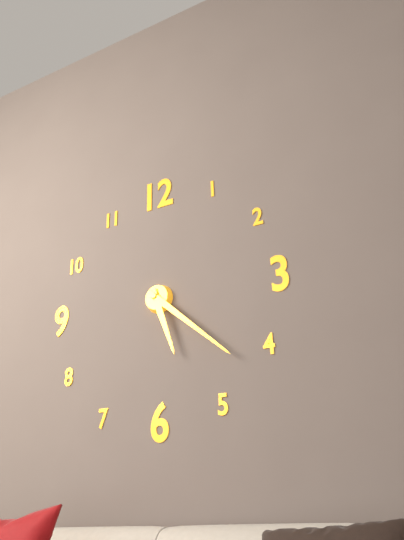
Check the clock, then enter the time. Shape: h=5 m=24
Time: h=5 m=22
